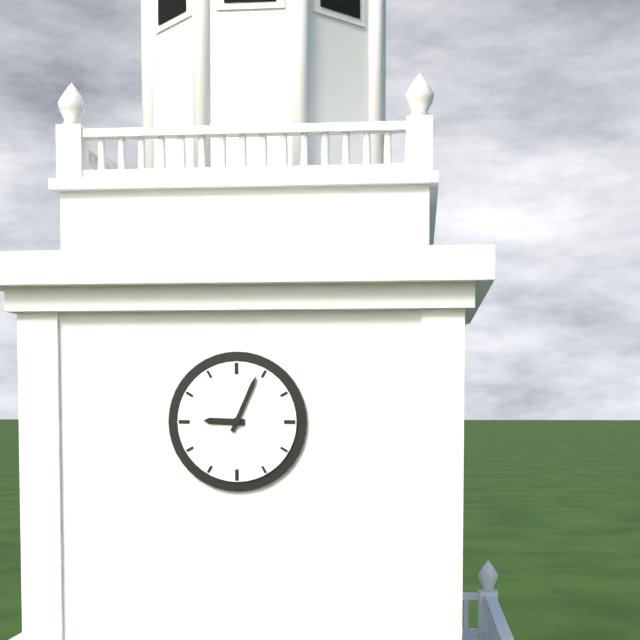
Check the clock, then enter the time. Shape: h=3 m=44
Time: h=9 m=4
